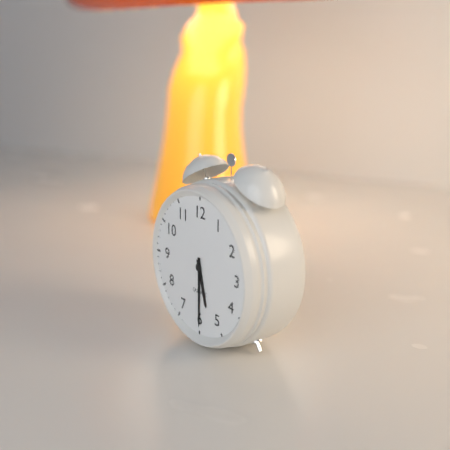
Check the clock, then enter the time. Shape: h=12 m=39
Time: h=5 m=30
